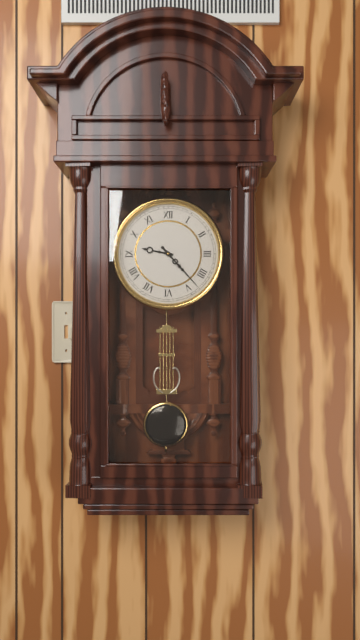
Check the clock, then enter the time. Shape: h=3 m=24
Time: h=9 m=23
